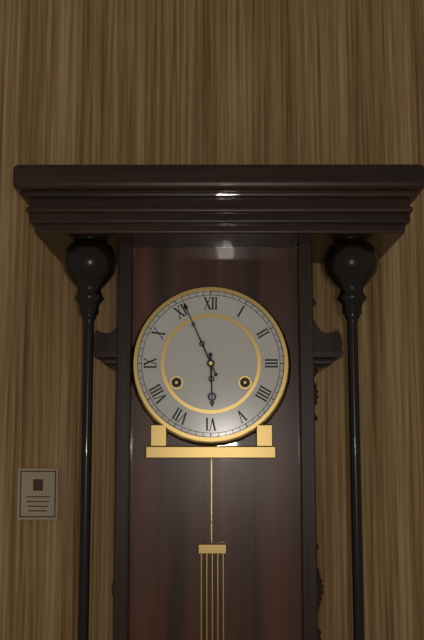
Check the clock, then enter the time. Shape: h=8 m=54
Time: h=5 m=56
